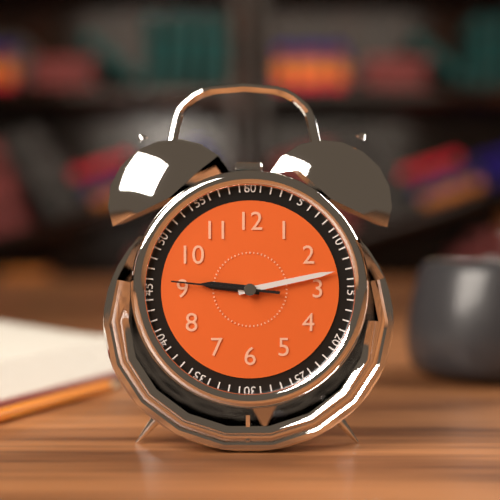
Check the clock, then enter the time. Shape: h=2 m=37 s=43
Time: h=9 m=13 s=46
